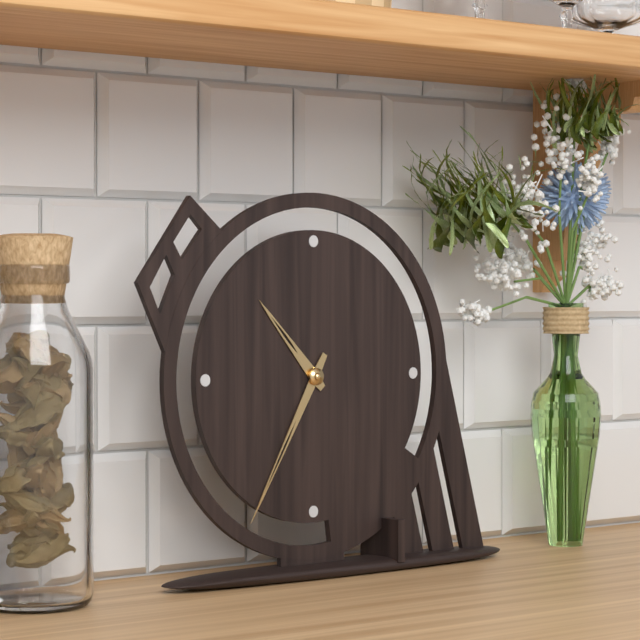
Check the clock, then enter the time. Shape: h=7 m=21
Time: h=10 m=35
